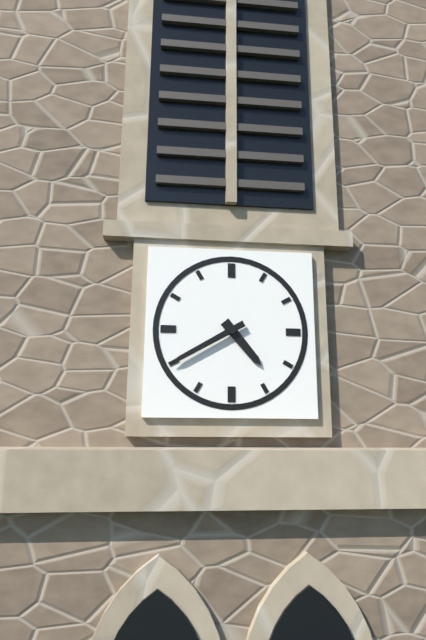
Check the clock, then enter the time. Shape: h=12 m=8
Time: h=4 m=40
